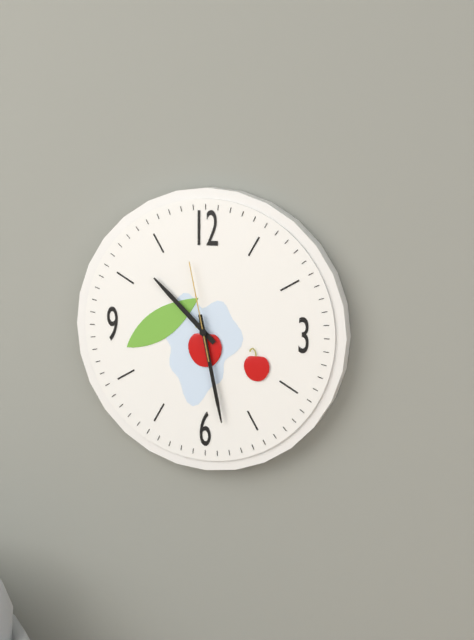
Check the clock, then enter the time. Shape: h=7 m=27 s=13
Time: h=10 m=28 s=58
